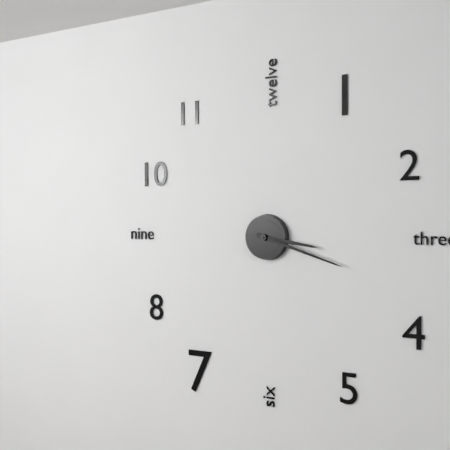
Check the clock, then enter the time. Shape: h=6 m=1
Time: h=3 m=18
